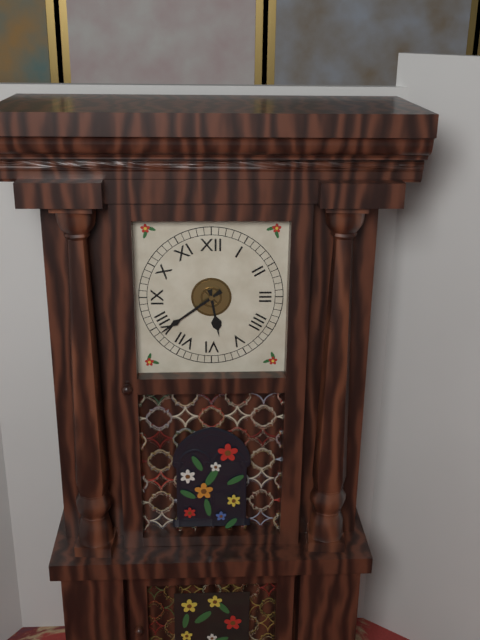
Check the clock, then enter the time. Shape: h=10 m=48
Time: h=5 m=39
